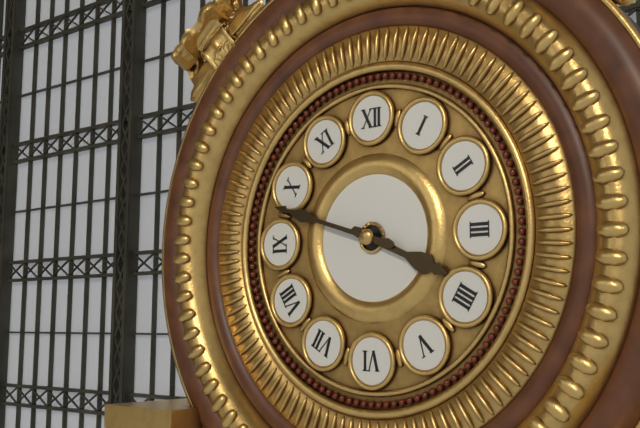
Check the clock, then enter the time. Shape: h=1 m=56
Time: h=3 m=48
